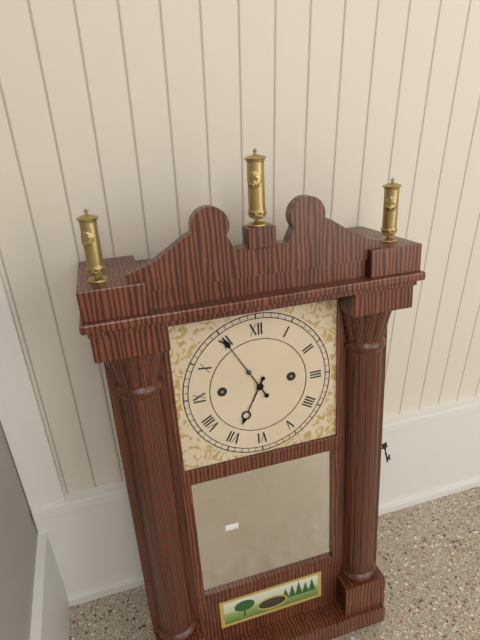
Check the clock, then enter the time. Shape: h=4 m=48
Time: h=6 m=55
